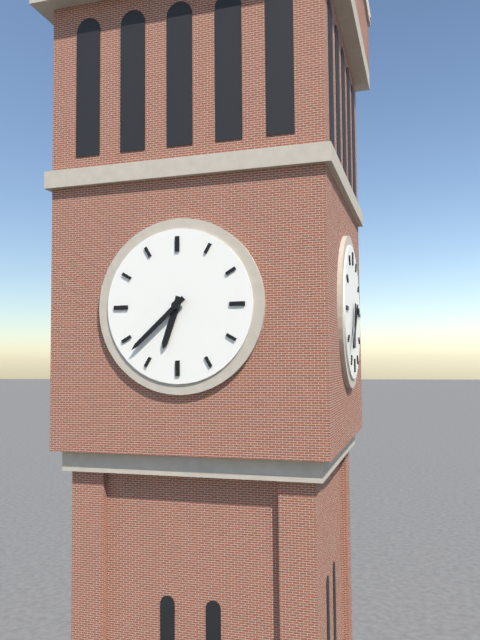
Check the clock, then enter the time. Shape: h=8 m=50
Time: h=6 m=38
